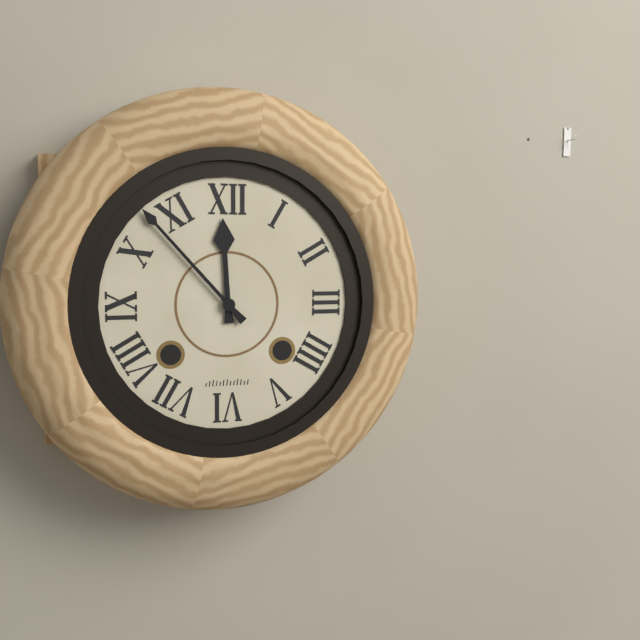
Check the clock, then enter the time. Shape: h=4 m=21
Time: h=11 m=53
